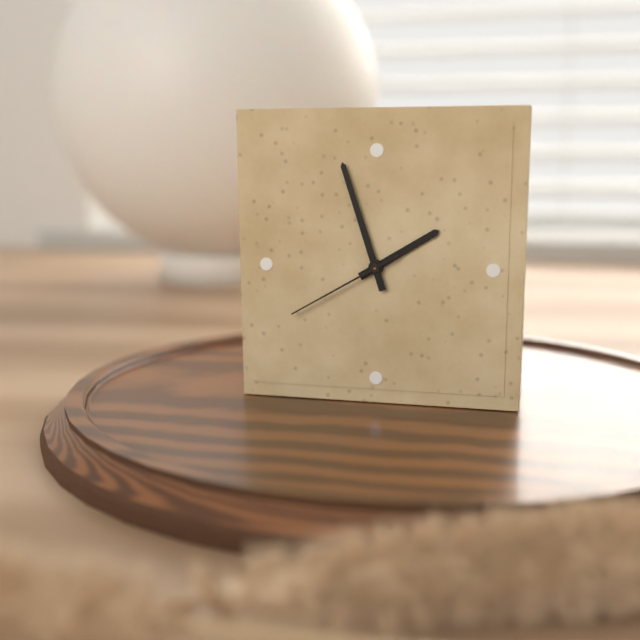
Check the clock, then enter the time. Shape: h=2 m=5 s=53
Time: h=1 m=57 s=40
